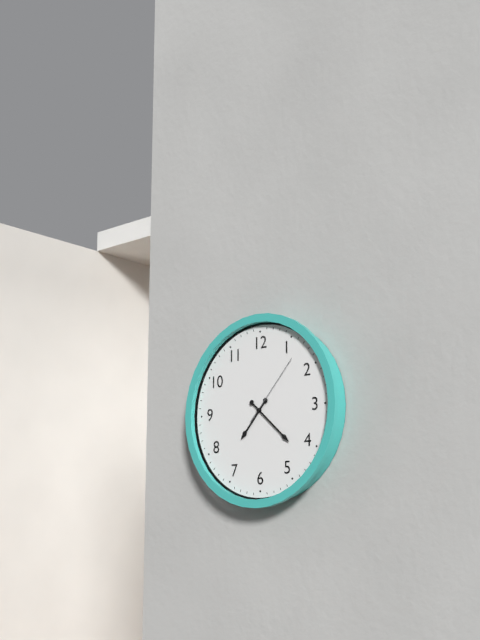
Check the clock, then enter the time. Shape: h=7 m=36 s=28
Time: h=7 m=22 s=7
